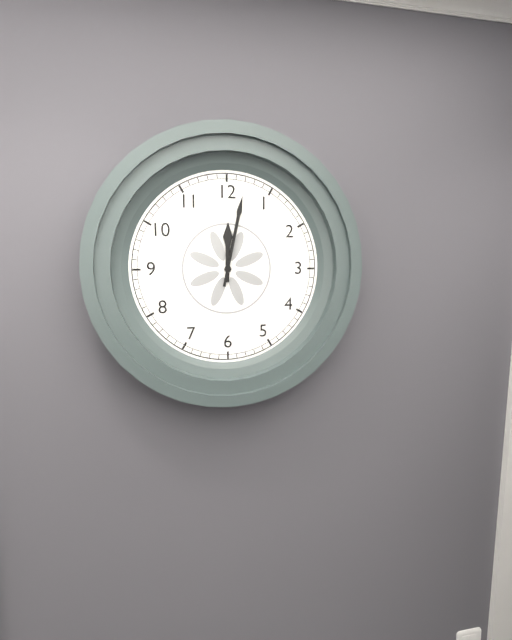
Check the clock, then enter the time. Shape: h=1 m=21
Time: h=12 m=2
